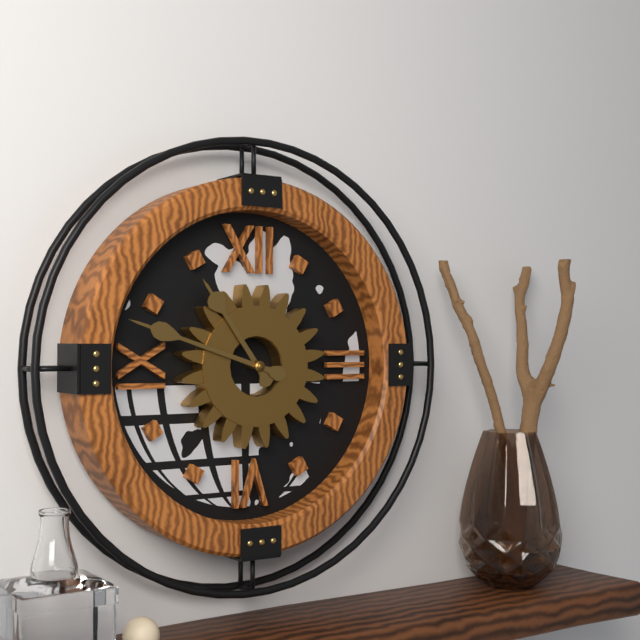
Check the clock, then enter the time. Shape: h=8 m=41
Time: h=10 m=48
